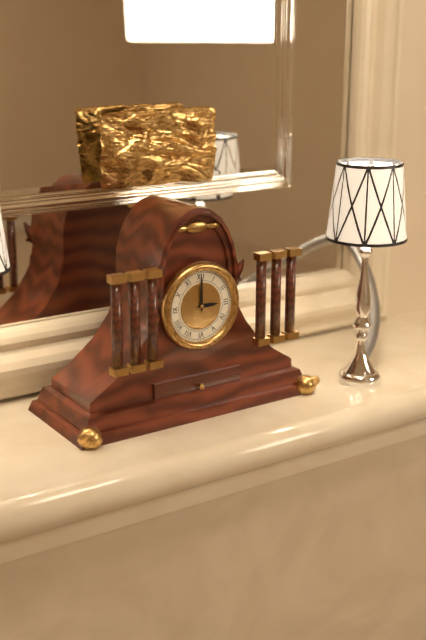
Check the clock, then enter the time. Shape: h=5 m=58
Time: h=3 m=0
